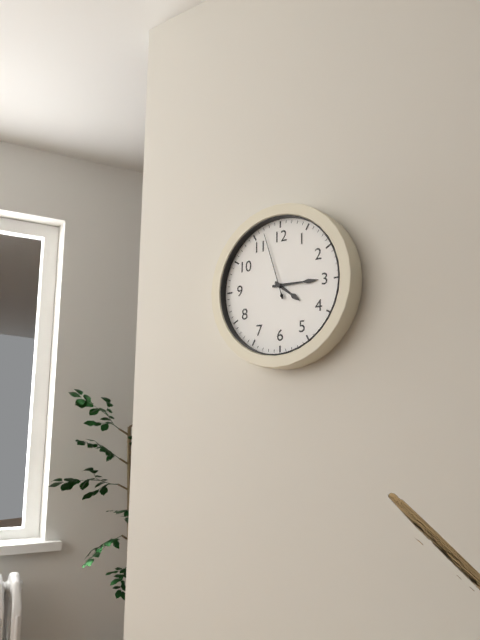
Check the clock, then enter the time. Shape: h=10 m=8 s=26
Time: h=4 m=15 s=57
